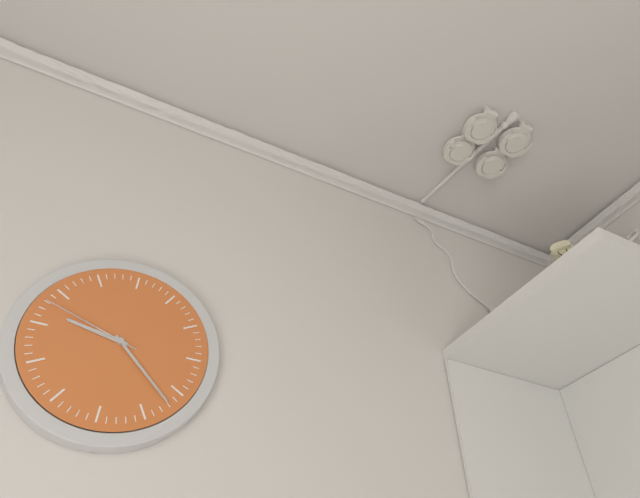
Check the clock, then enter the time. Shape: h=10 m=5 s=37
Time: h=9 m=22 s=48
